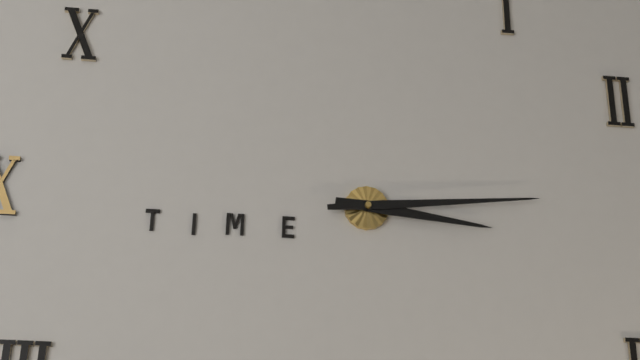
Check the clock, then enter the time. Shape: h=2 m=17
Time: h=3 m=14
